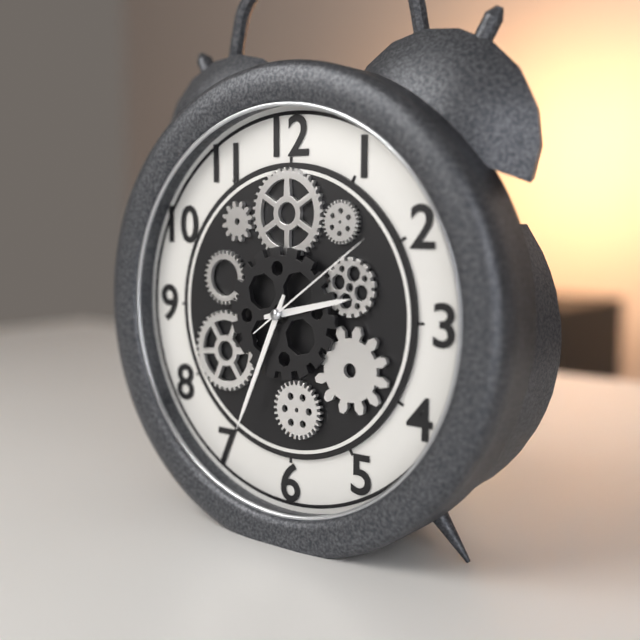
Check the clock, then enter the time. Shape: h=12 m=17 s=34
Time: h=2 m=34 s=9
